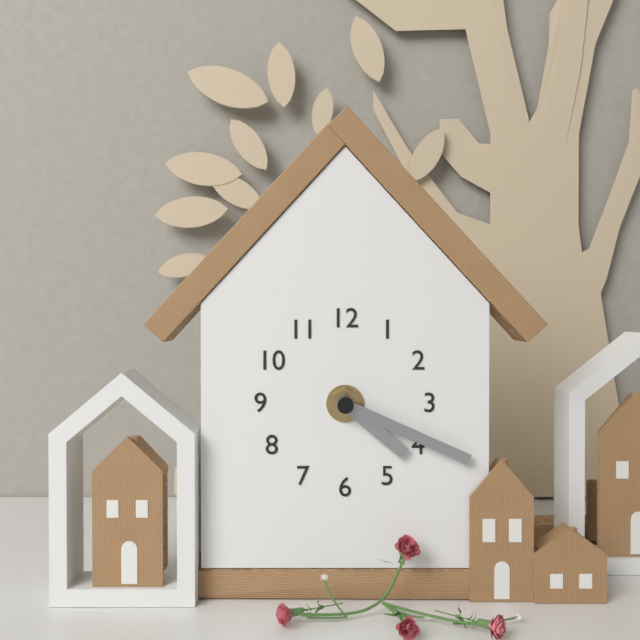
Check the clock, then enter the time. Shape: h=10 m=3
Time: h=4 m=19
